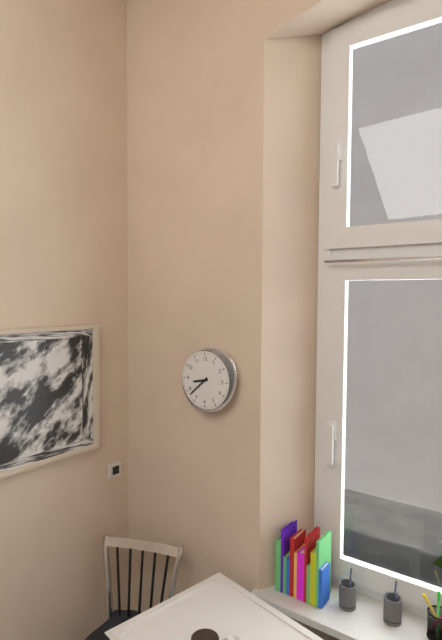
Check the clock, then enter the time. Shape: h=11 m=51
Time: h=8 m=38
